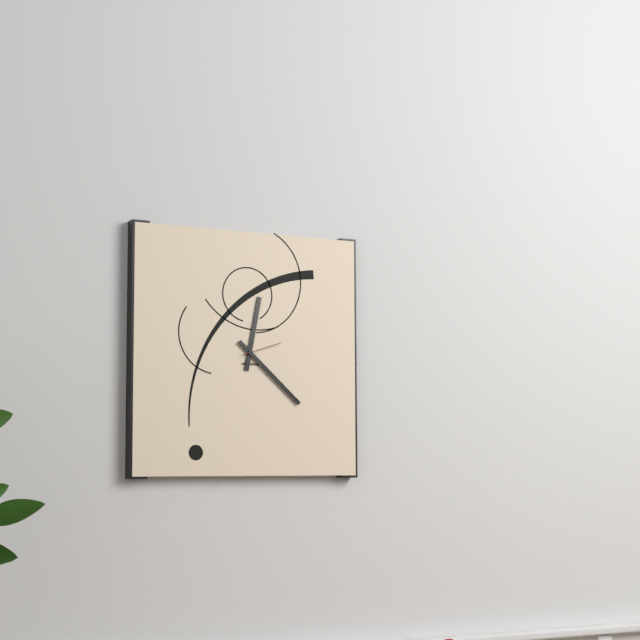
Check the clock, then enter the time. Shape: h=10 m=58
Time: h=12 m=22
